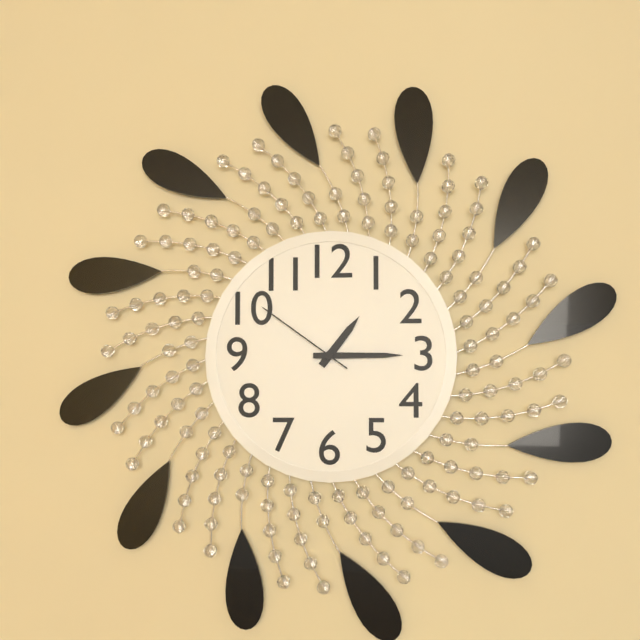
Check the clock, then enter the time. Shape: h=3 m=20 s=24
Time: h=1 m=15 s=51
